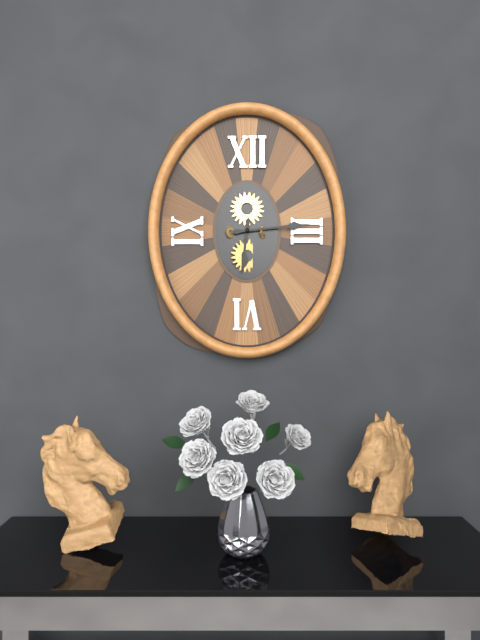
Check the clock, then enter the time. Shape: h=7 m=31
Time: h=6 m=14
